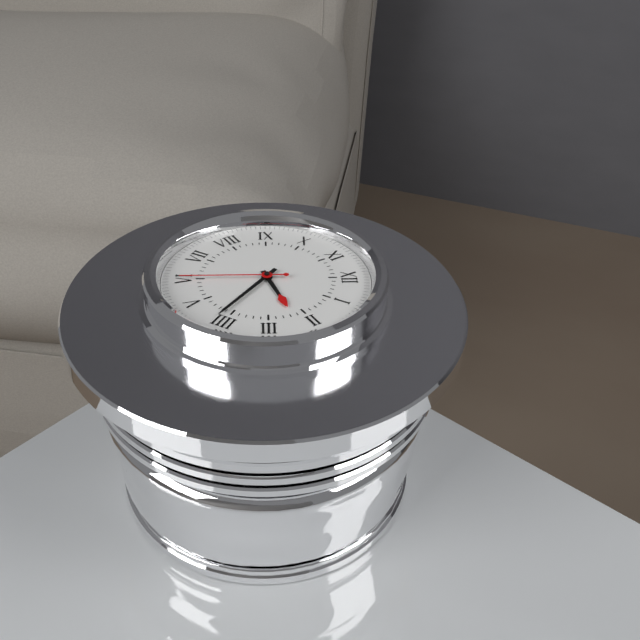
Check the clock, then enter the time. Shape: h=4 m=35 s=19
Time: h=2 m=21 s=30
